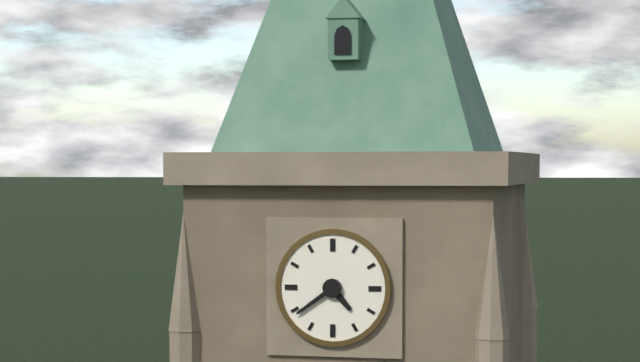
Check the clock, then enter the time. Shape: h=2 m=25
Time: h=4 m=39
